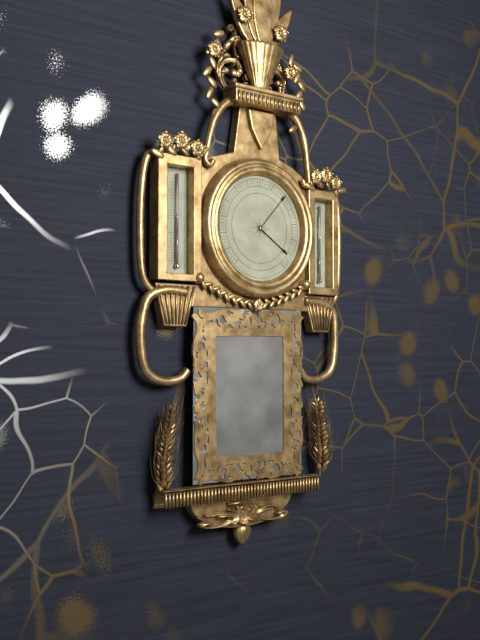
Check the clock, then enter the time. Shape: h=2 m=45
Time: h=4 m=7
